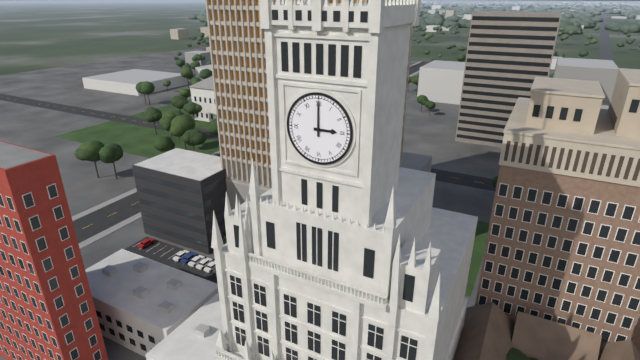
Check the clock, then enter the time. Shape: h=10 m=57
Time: h=3 m=0
